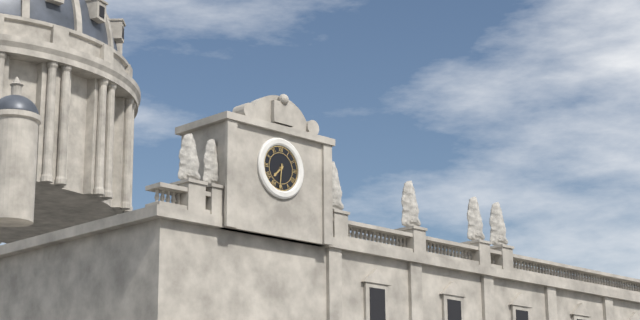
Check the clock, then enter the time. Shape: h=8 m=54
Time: h=7 m=31
